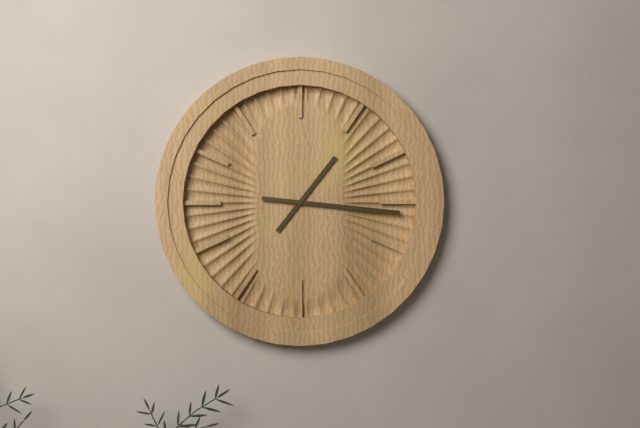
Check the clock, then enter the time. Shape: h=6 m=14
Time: h=1 m=16
